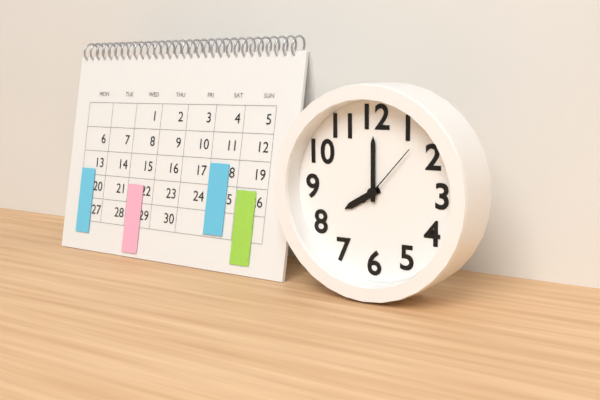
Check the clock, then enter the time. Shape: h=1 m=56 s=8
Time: h=8 m=0 s=7
